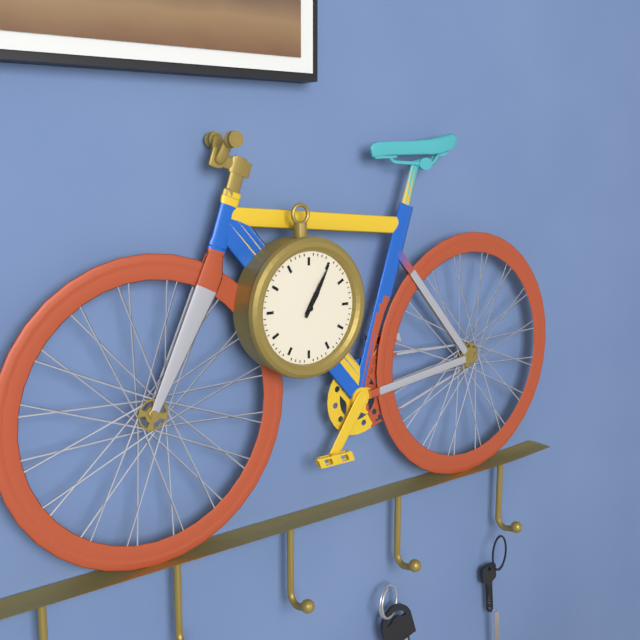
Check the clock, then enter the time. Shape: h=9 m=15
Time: h=1 m=5
